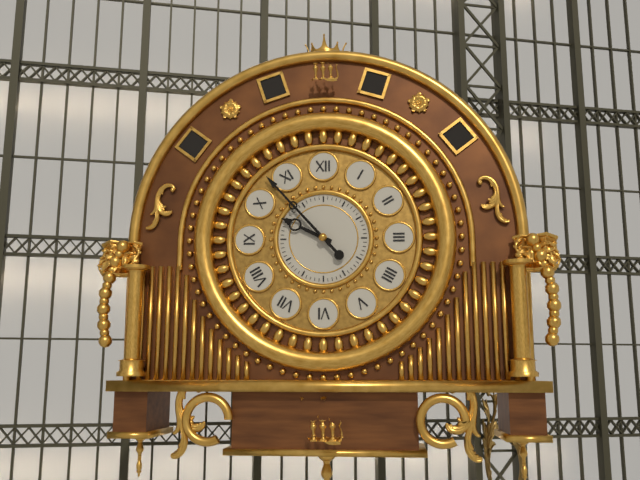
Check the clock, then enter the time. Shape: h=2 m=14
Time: h=9 m=53
